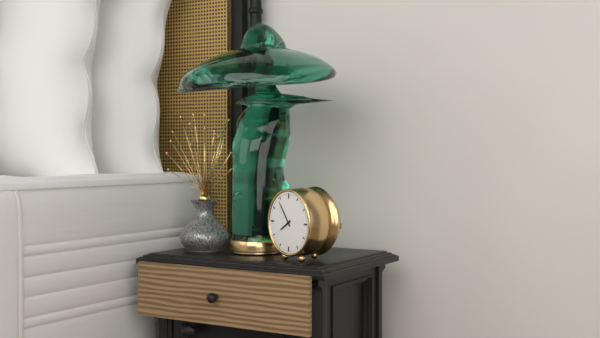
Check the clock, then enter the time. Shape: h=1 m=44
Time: h=7 m=54
